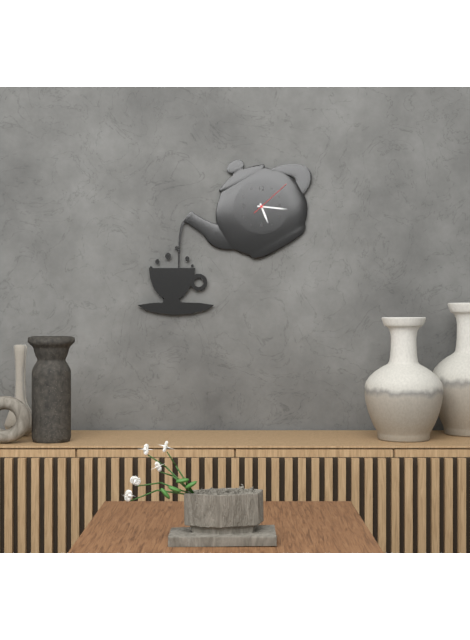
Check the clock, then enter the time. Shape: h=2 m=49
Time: h=5 m=16
